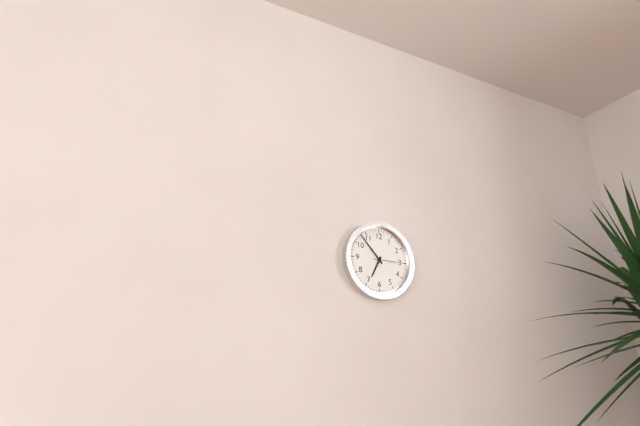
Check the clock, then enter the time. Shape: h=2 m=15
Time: h=6 m=53
